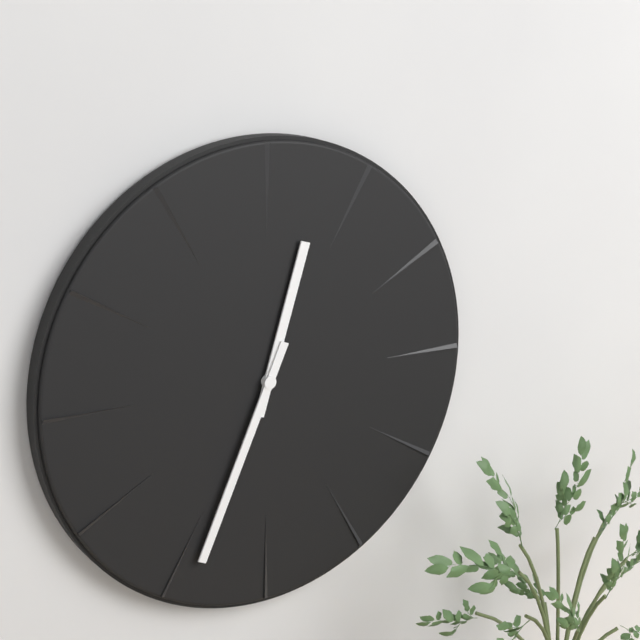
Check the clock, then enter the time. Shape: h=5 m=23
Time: h=12 m=34
